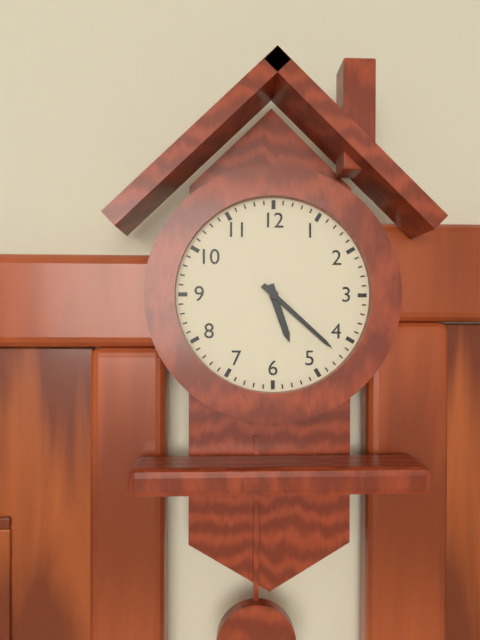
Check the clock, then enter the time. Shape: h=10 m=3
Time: h=5 m=22
